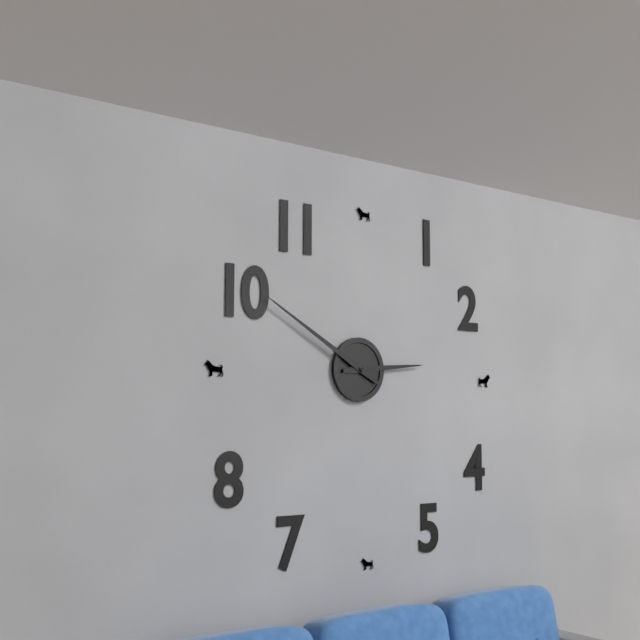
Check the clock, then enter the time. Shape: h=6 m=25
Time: h=2 m=50
